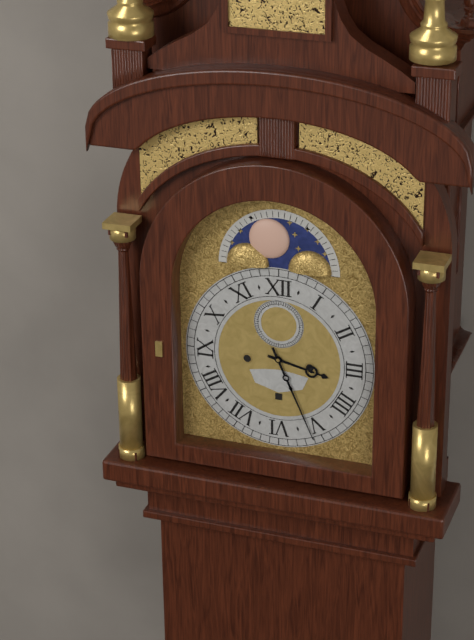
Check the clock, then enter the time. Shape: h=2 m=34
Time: h=3 m=26
